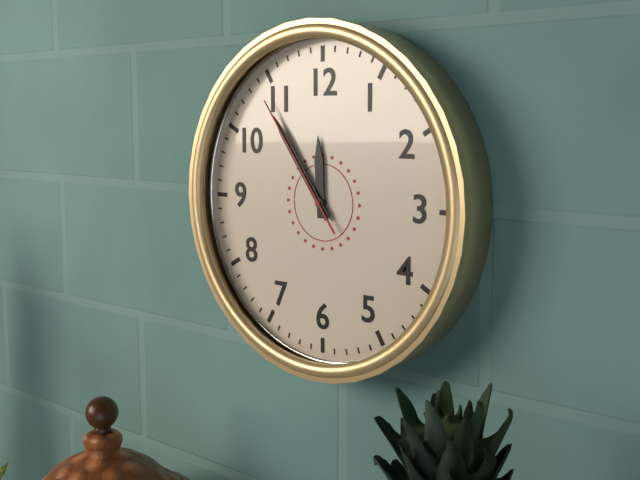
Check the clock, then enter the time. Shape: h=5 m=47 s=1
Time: h=11 m=54 s=54
